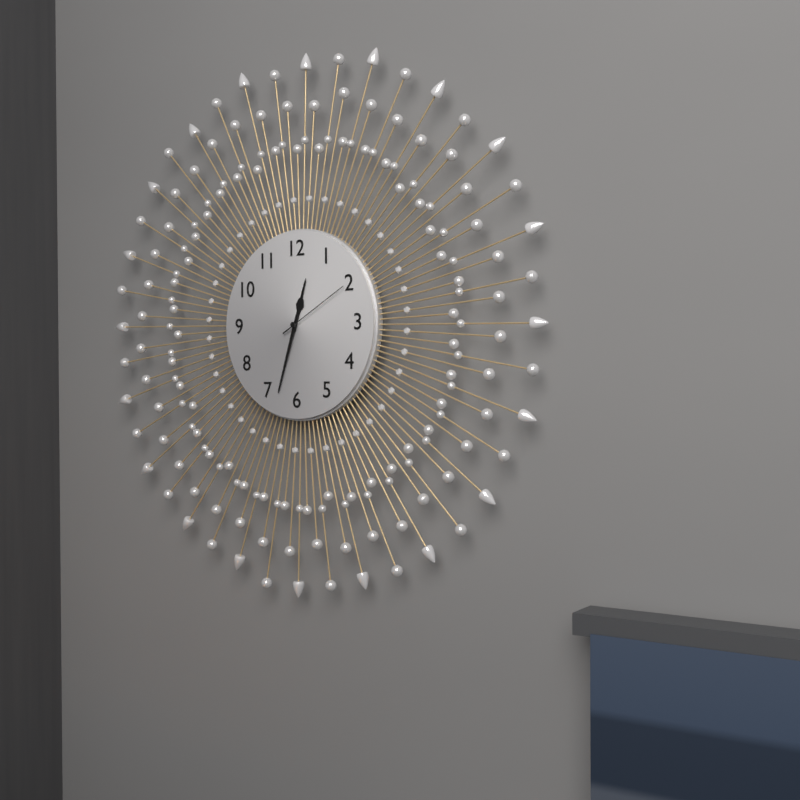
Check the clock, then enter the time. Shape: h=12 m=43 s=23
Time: h=12 m=33 s=10
